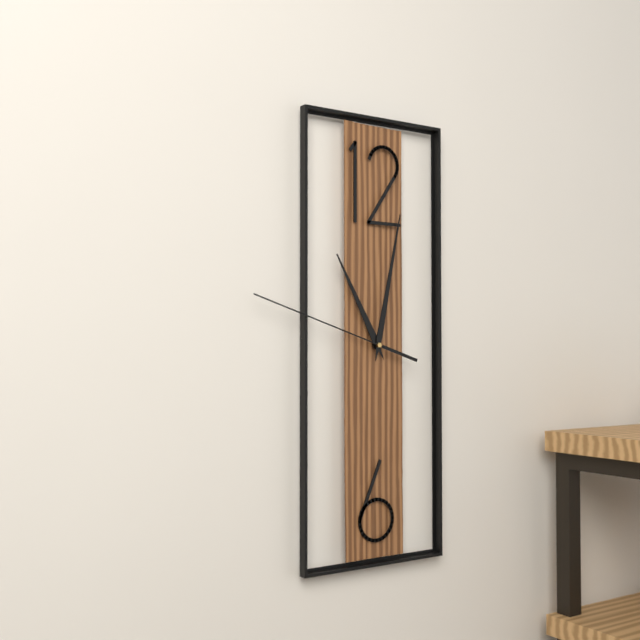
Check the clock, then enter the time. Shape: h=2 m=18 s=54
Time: h=11 m=2 s=48
